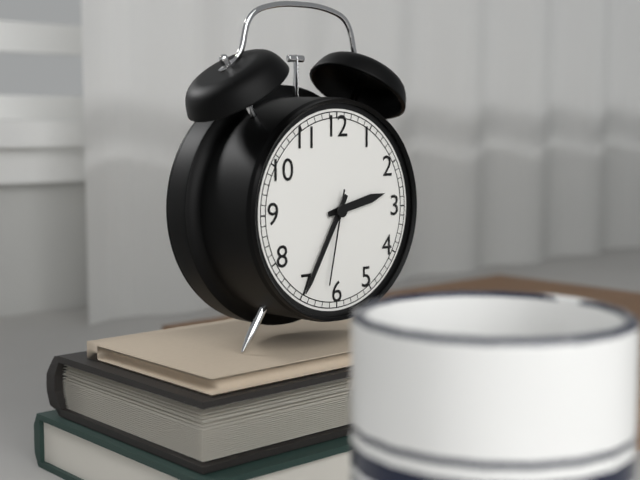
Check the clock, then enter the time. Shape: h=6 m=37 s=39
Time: h=2 m=35 s=32
